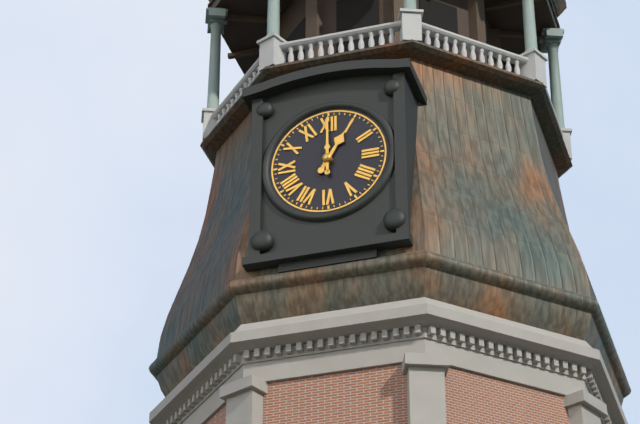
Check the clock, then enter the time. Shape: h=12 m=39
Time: h=1 m=0
